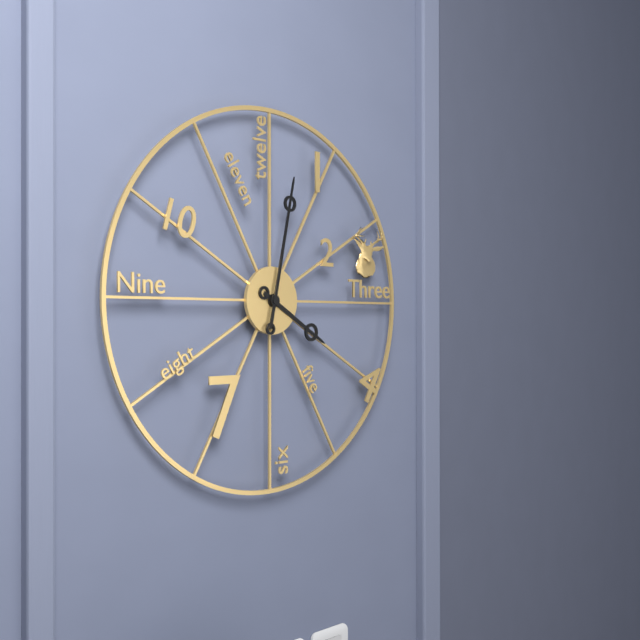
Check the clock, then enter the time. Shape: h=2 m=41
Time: h=4 m=2
